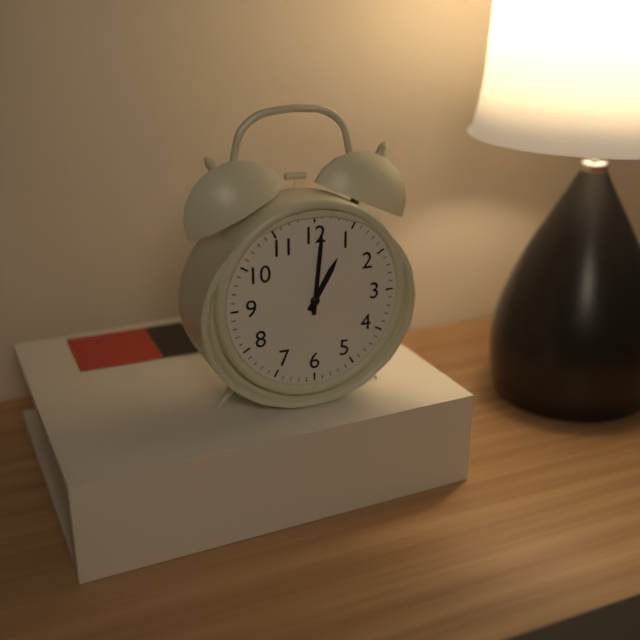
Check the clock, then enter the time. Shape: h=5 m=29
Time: h=1 m=1
